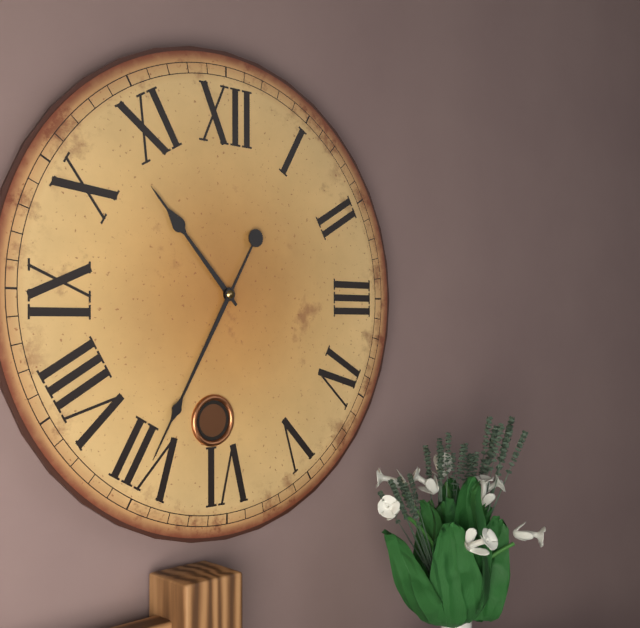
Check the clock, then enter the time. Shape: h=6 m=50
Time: h=10 m=35
